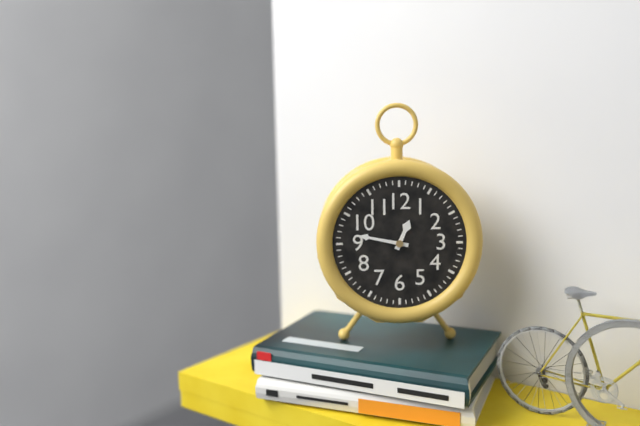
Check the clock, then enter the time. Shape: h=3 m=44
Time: h=12 m=47
